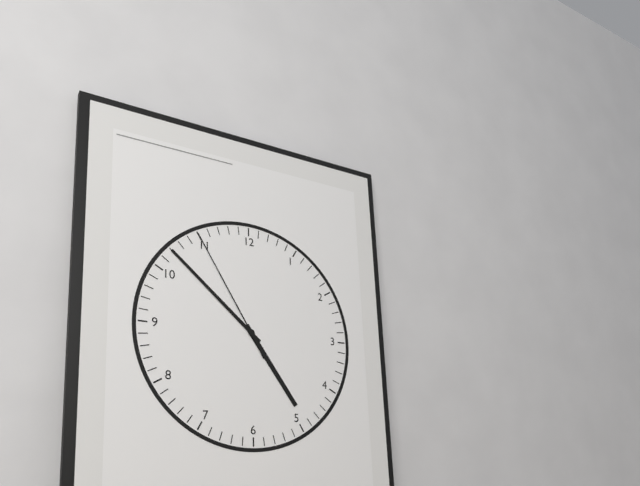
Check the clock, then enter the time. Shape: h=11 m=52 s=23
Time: h=4 m=52 s=55
